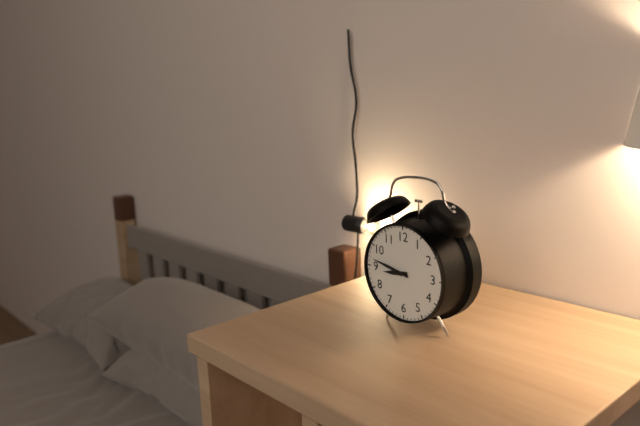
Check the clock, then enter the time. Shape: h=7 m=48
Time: h=8 m=47
